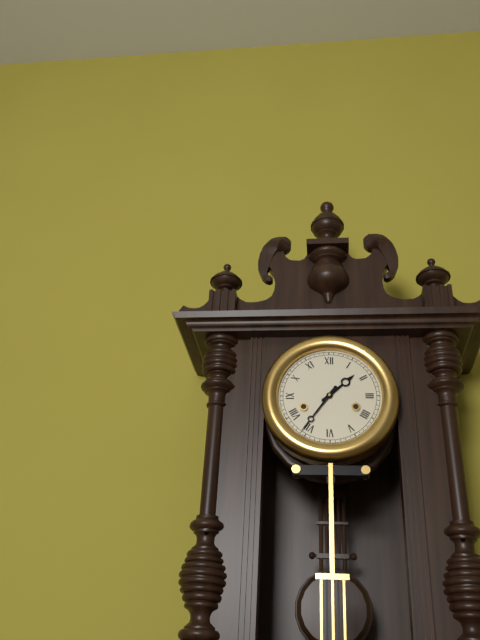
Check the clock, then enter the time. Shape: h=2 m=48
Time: h=1 m=36
